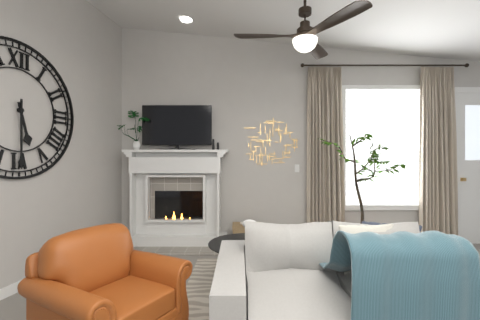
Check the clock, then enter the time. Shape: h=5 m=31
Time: h=5 m=30
